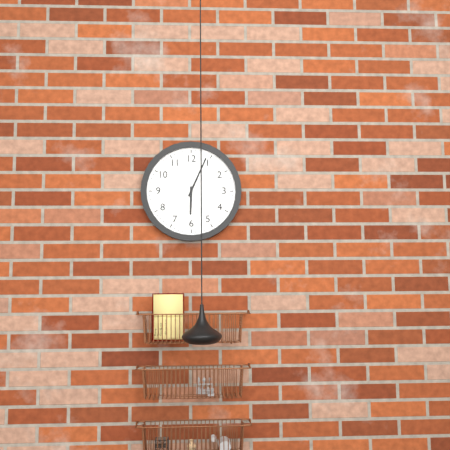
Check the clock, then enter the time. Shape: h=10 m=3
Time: h=6 m=4
